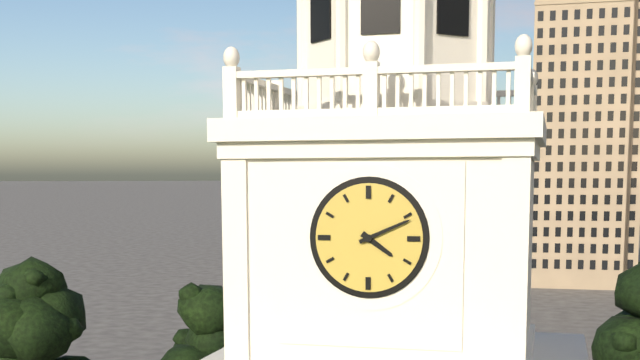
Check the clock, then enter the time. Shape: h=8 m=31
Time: h=4 m=11
